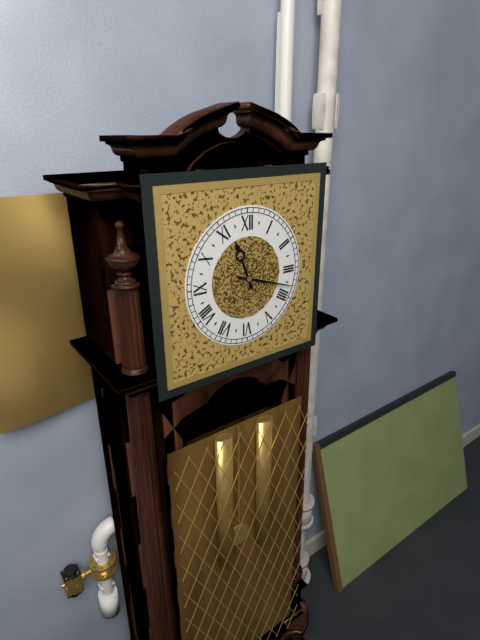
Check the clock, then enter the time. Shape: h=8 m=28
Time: h=11 m=18
